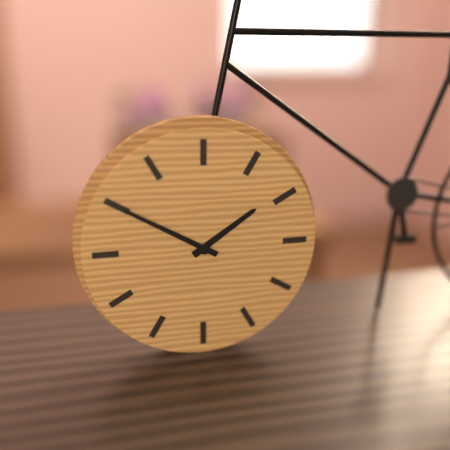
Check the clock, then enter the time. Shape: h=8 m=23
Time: h=1 m=50
